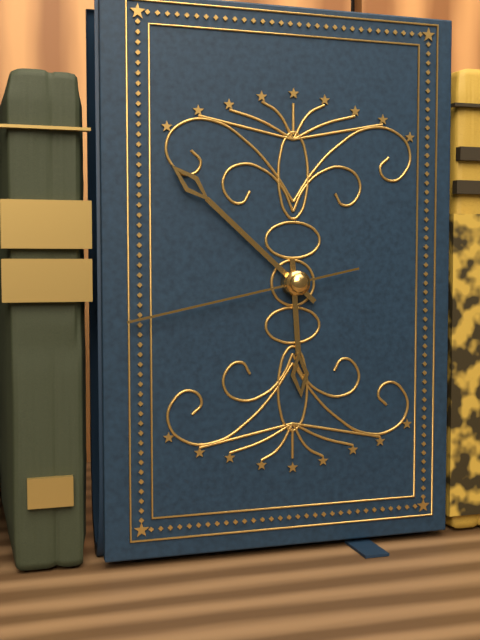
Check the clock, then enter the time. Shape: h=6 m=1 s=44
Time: h=5 m=52 s=43
